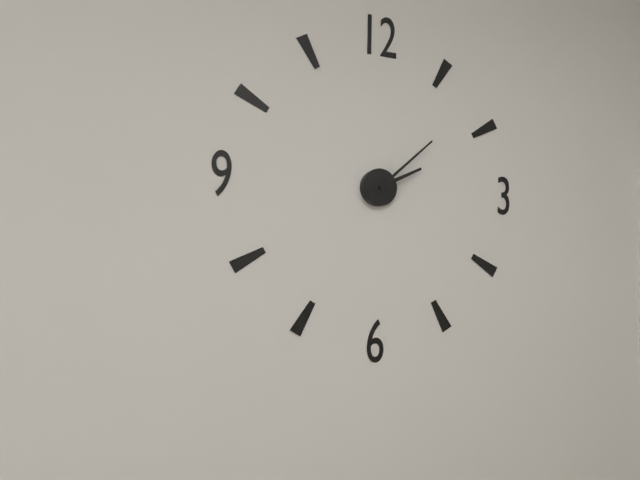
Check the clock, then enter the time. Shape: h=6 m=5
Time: h=2 m=8
